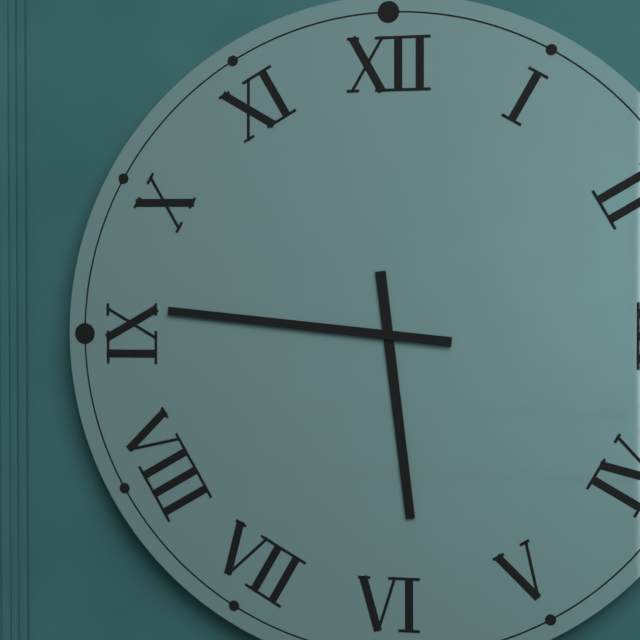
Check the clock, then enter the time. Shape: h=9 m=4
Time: h=5 m=46
